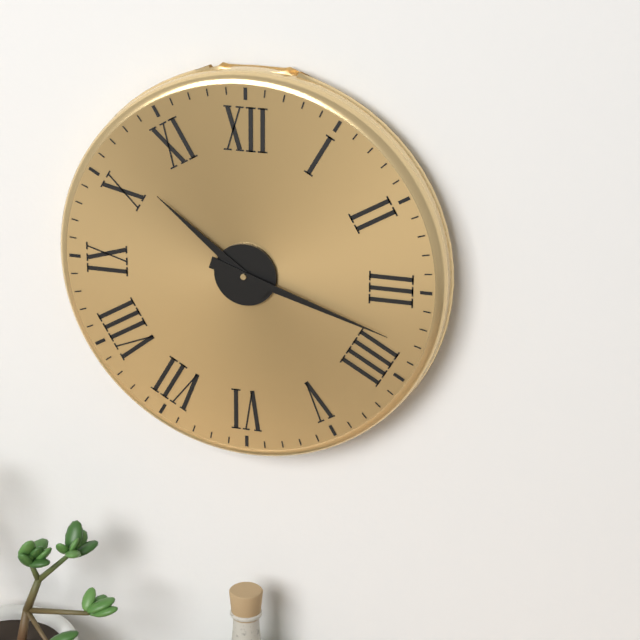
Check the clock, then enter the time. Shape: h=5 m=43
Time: h=10 m=18
